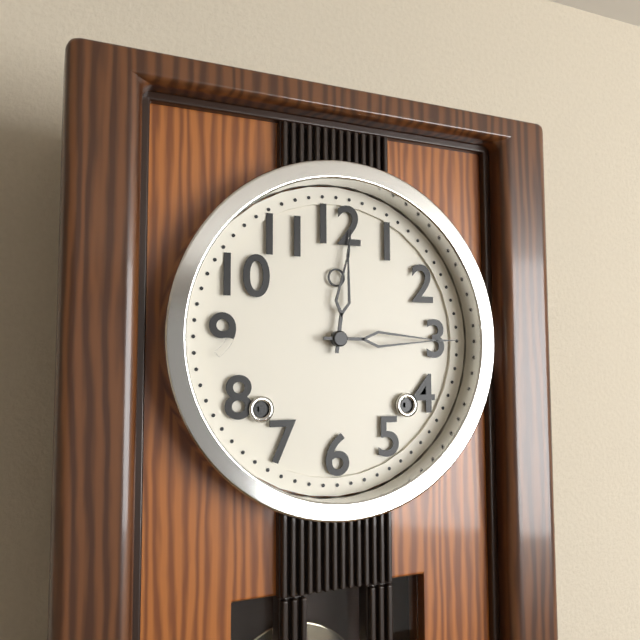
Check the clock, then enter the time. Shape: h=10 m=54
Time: h=12 m=15
